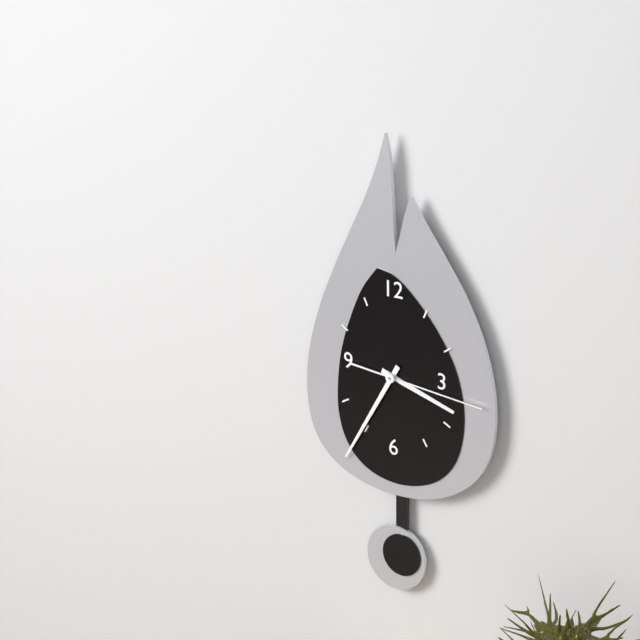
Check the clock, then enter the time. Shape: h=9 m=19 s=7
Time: h=3 m=35 s=16
